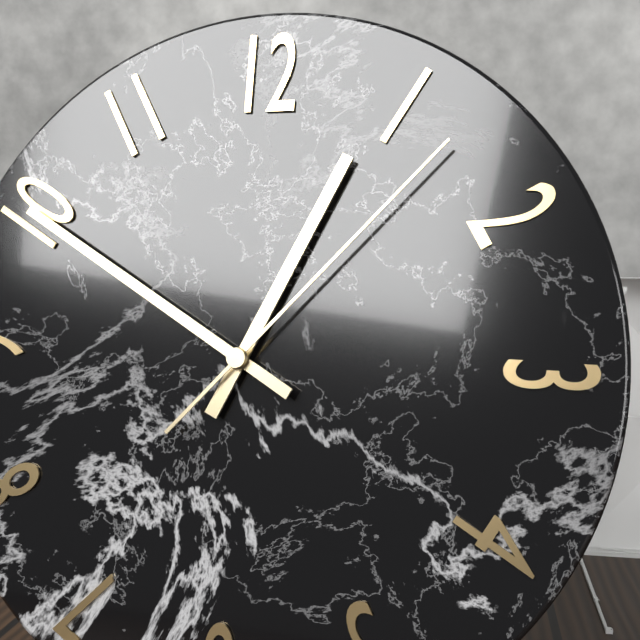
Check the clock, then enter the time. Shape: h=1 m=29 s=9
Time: h=12 m=50 s=7
